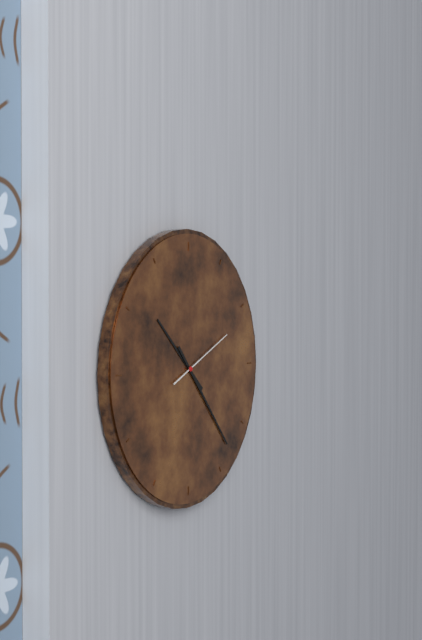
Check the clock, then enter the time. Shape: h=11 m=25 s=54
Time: h=10 m=23 s=11
